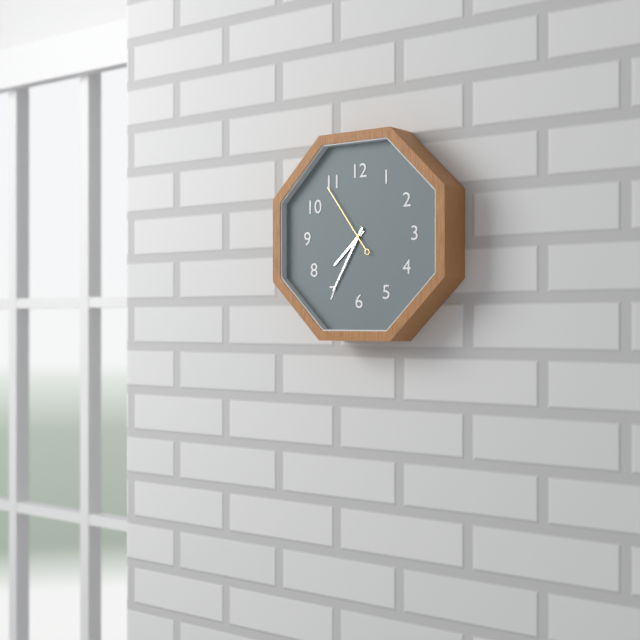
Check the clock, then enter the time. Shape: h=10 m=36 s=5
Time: h=7 m=35 s=54
